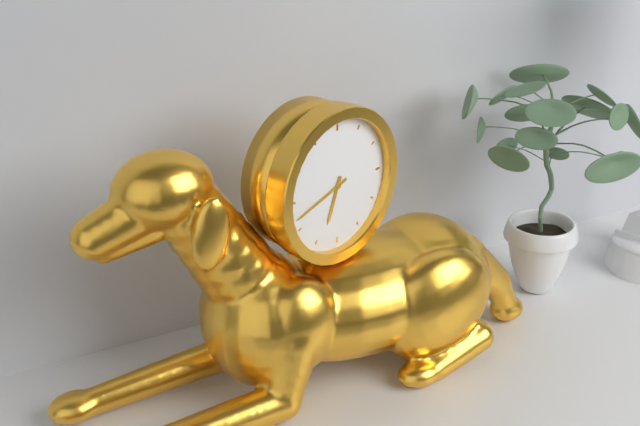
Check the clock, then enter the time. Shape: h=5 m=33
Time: h=6 m=42
